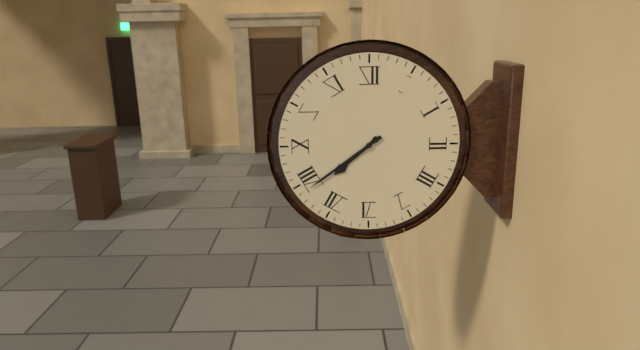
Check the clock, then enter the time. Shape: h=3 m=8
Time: h=7 m=39
